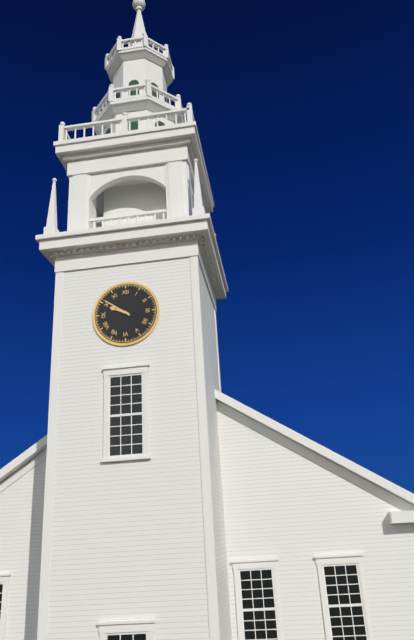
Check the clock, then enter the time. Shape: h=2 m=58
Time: h=9 m=51
